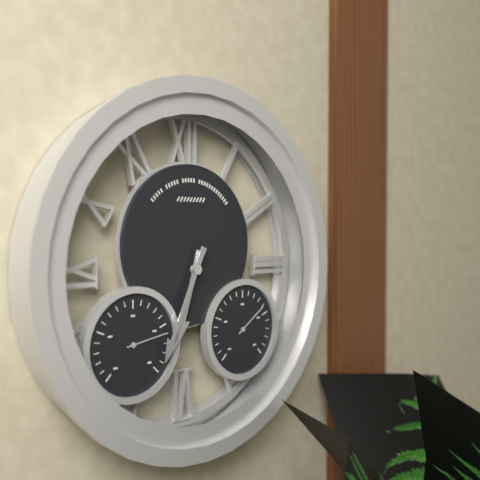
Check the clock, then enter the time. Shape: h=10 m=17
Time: h=6 m=34
